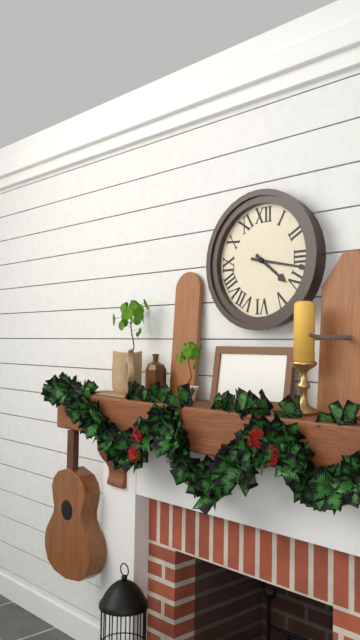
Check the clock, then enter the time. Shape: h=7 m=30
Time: h=4 m=17
